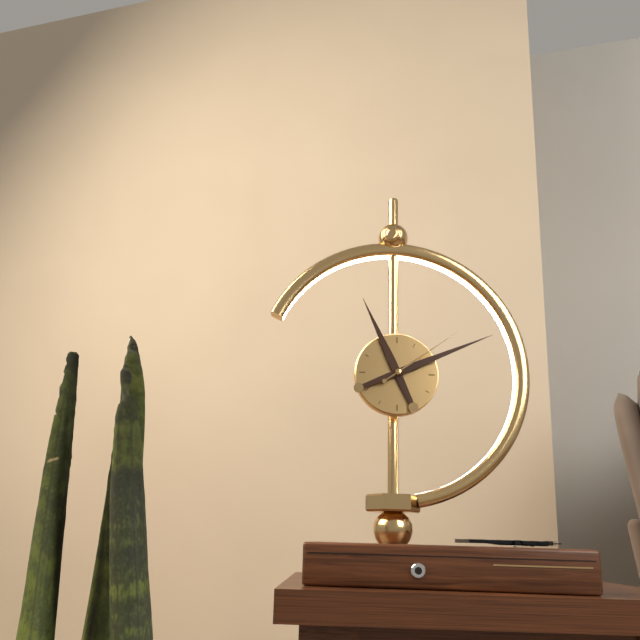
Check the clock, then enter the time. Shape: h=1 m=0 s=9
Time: h=11 m=11 s=9
